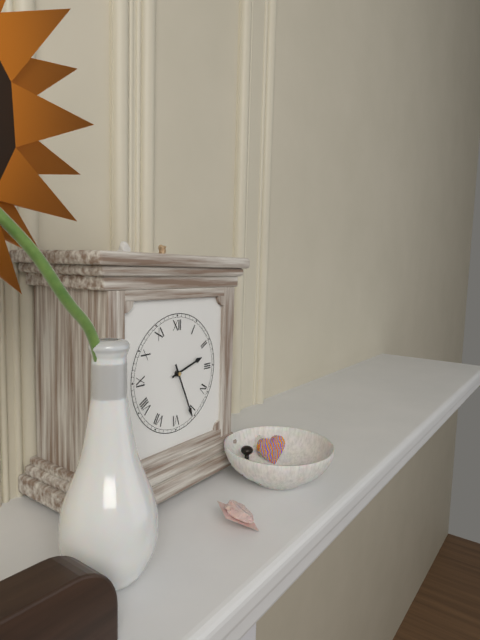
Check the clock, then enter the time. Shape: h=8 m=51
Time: h=2 m=26
